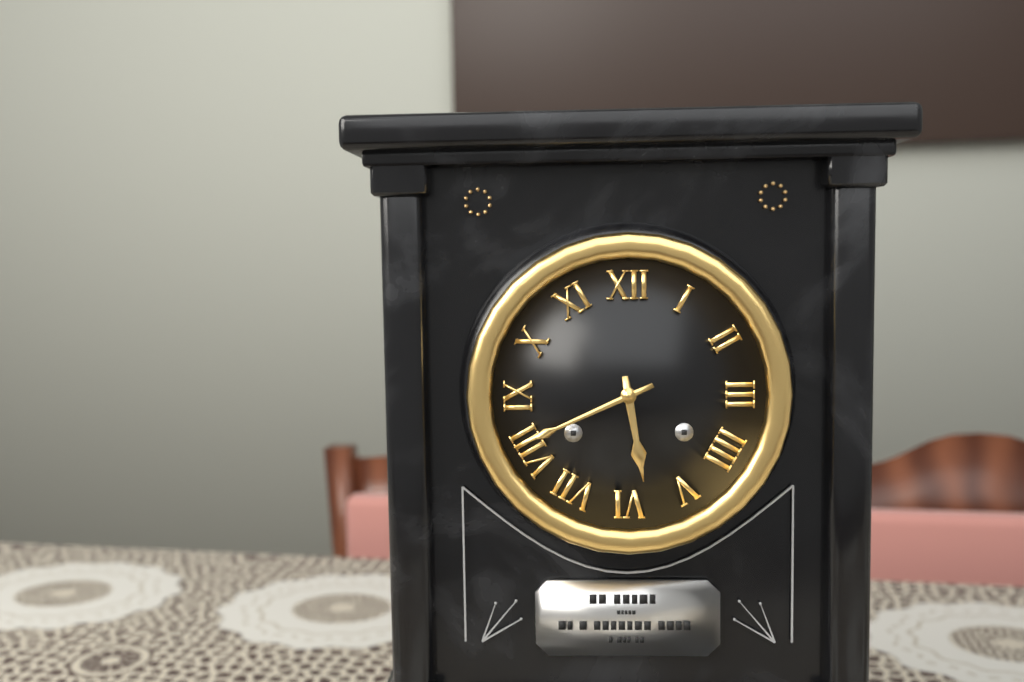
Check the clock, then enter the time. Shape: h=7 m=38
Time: h=5 m=41
